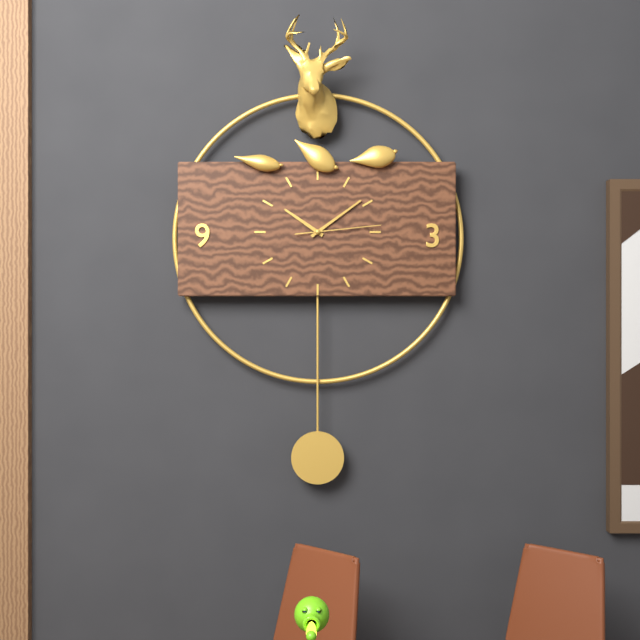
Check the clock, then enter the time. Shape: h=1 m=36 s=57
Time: h=10 m=9 s=14
